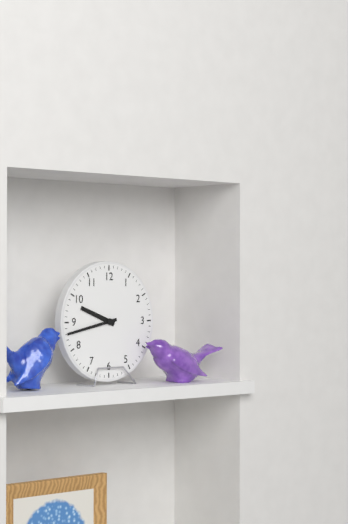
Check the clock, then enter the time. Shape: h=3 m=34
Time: h=9 m=43
